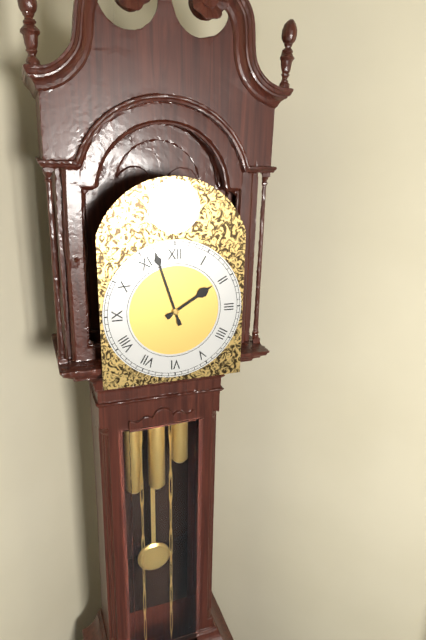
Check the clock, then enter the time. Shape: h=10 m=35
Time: h=1 m=57
